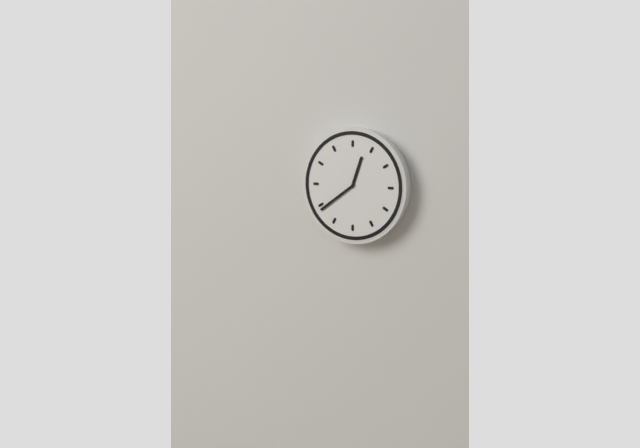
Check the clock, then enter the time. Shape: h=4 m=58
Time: h=12 m=39
